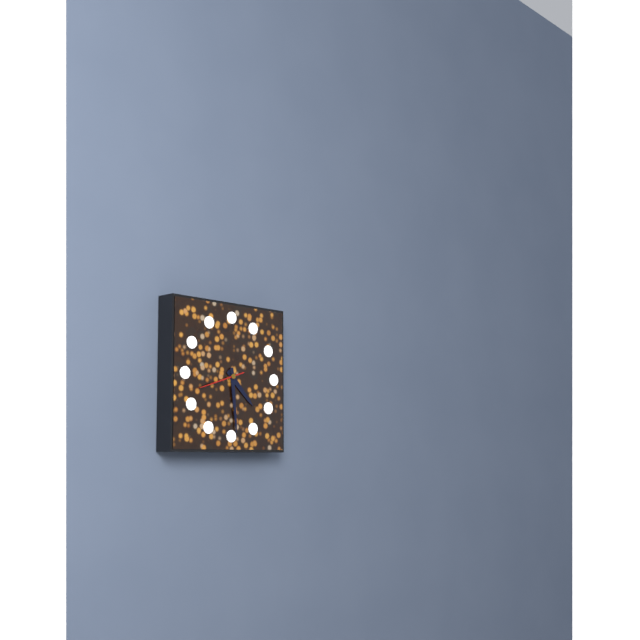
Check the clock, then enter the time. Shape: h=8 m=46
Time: h=4 m=29
